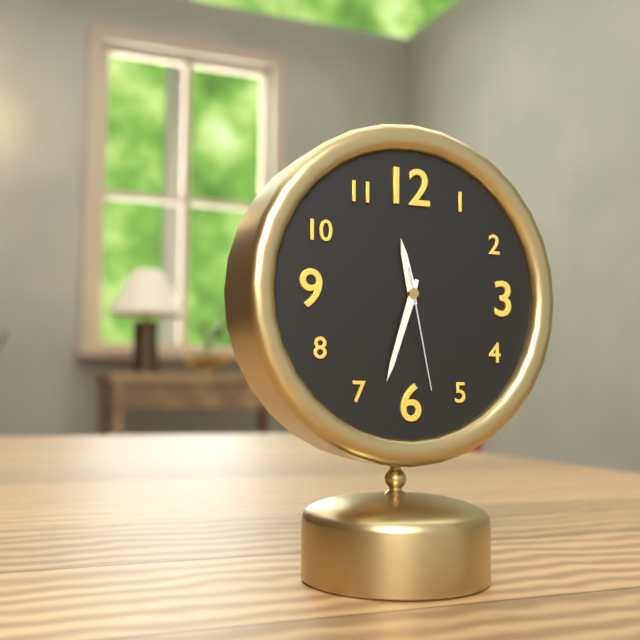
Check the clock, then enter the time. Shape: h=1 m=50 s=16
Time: h=11 m=33 s=28
